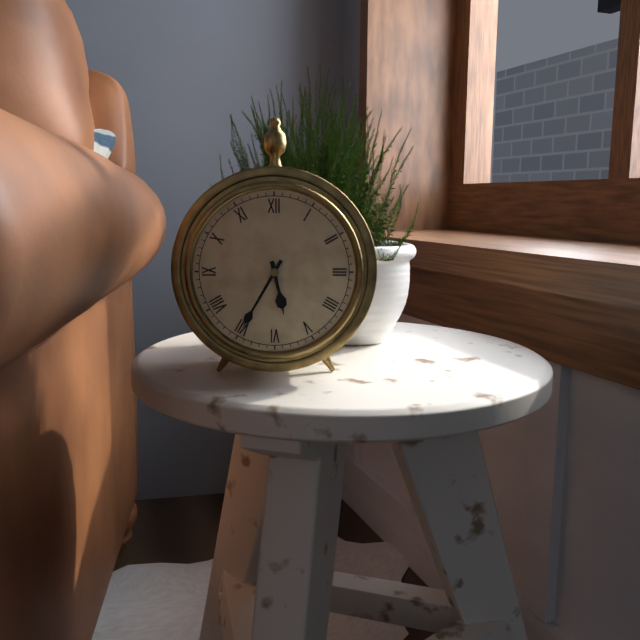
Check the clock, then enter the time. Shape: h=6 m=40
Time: h=5 m=35
